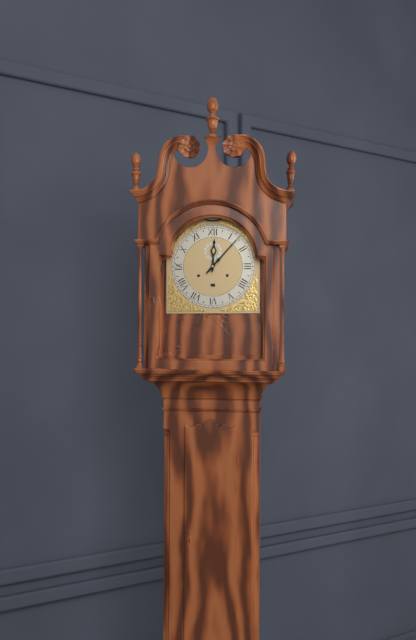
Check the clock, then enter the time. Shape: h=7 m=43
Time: h=12 m=7
